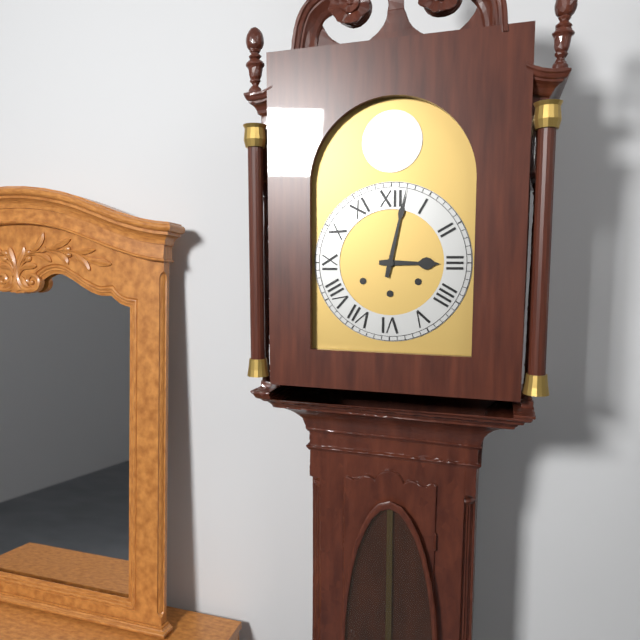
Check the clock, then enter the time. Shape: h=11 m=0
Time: h=3 m=2
